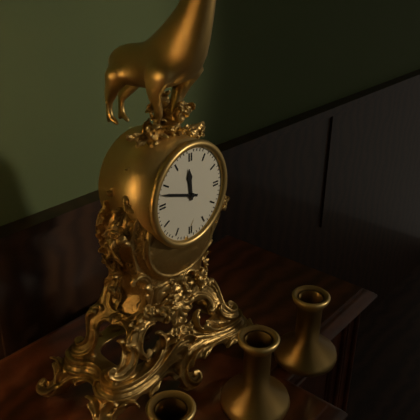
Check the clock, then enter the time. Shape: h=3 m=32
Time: h=11 m=48
